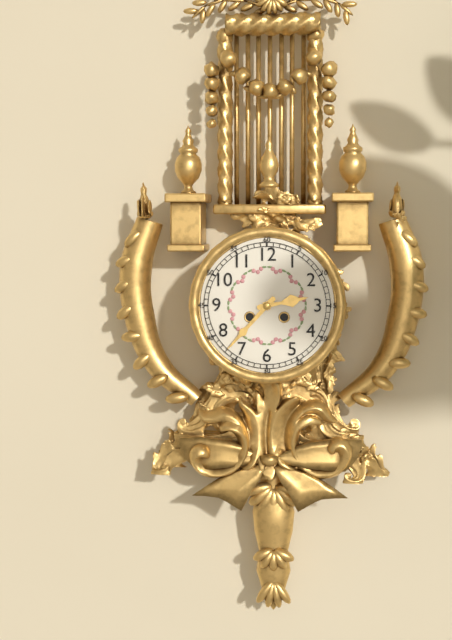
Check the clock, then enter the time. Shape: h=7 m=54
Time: h=2 m=37
